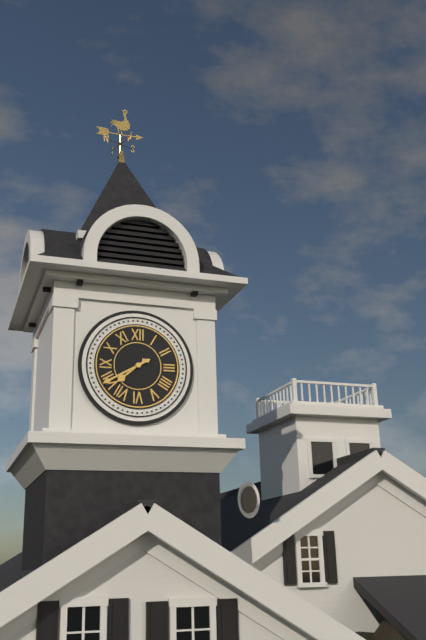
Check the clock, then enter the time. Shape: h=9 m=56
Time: h=7 m=40
